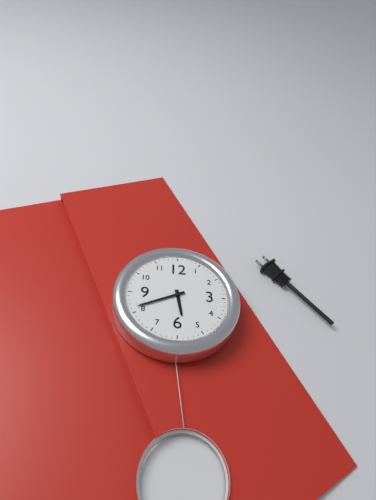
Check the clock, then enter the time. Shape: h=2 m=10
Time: h=5 m=41
